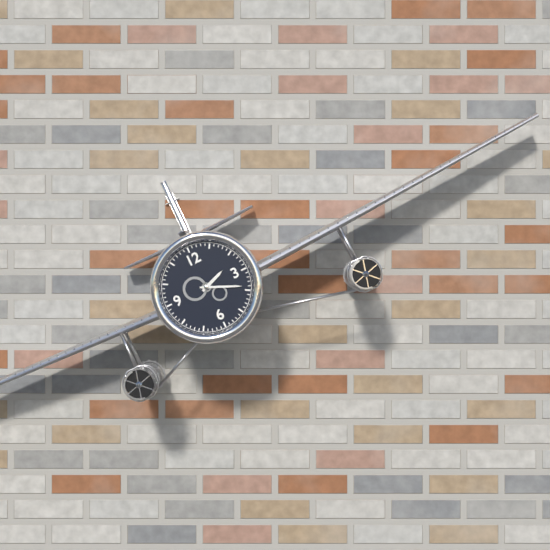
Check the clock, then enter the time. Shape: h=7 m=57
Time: h=2 m=19
